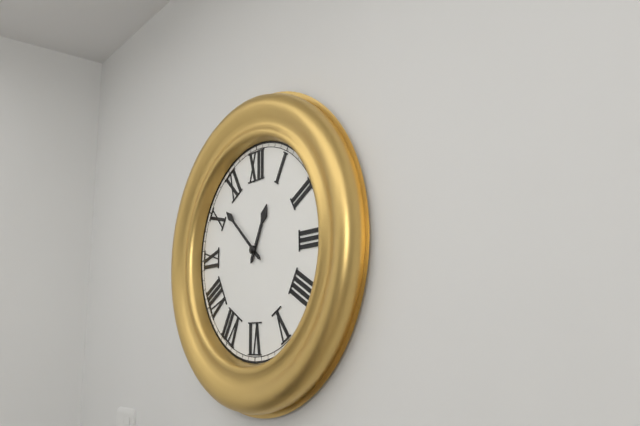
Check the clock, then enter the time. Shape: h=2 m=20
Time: h=12 m=52
